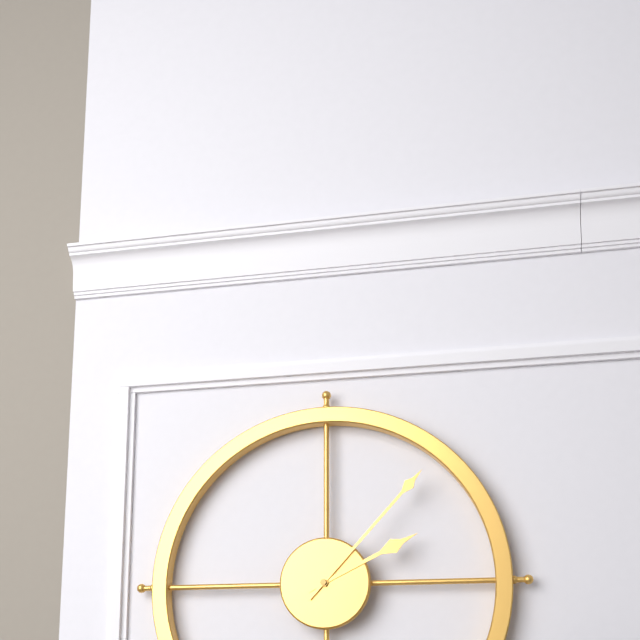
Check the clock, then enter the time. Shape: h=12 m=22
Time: h=2 m=7
